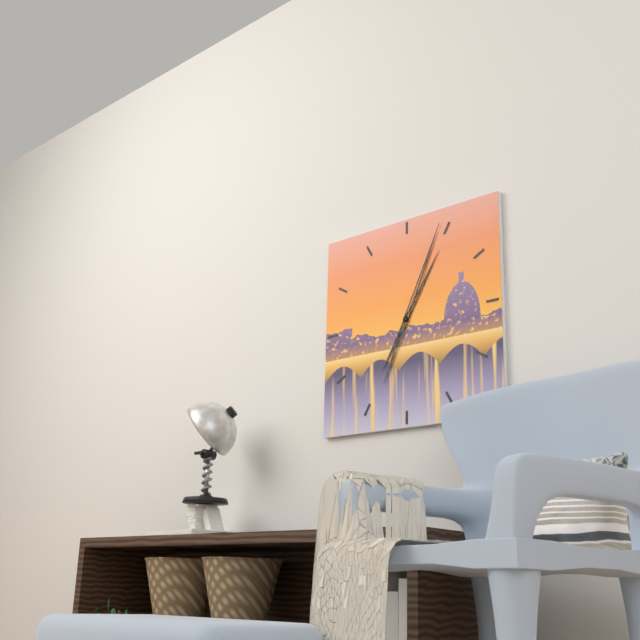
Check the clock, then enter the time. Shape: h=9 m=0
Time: h=1 m=4
